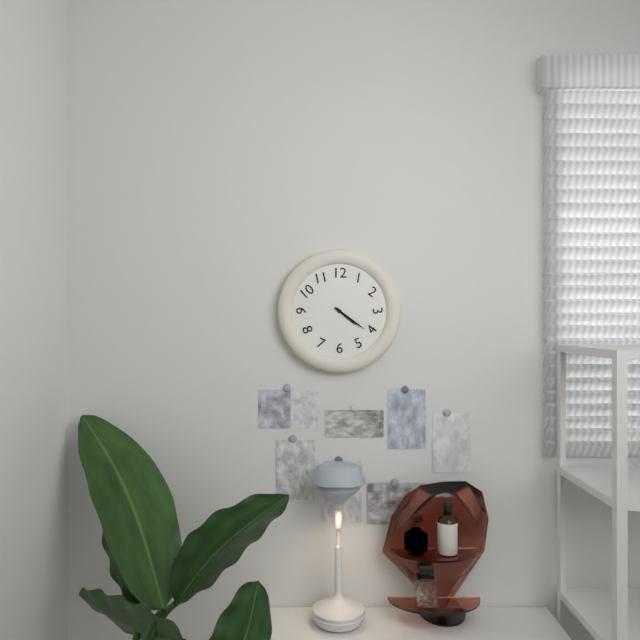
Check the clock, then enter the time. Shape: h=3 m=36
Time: h=4 m=21
